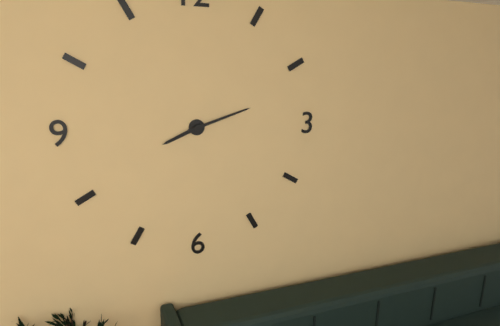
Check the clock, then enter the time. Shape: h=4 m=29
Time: h=8 m=12
